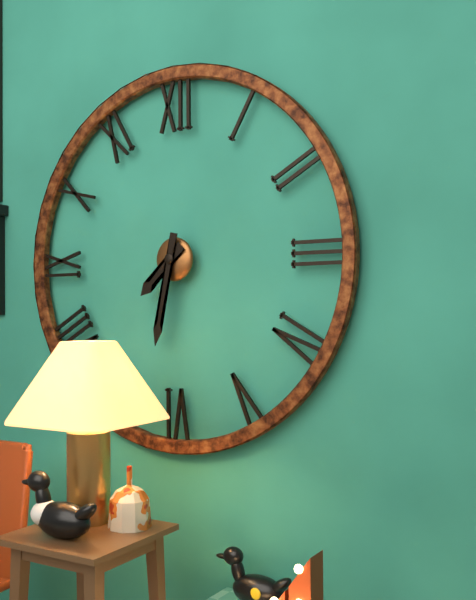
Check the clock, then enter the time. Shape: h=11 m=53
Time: h=7 m=32
